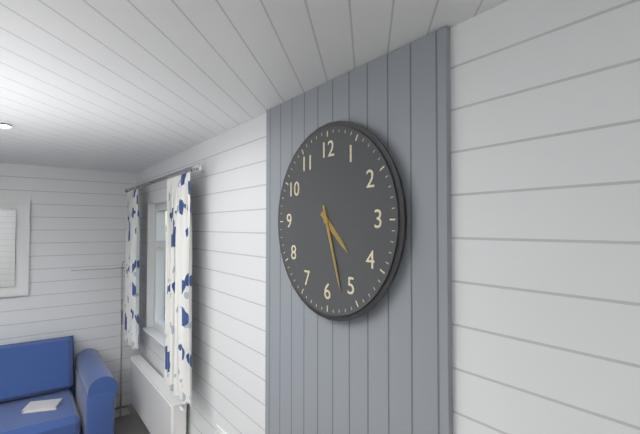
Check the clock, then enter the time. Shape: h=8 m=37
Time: h=4 m=27
